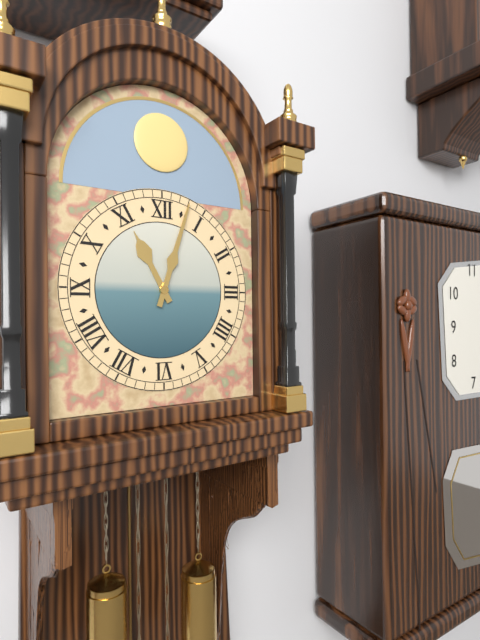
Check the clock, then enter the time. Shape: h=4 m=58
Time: h=11 m=3
